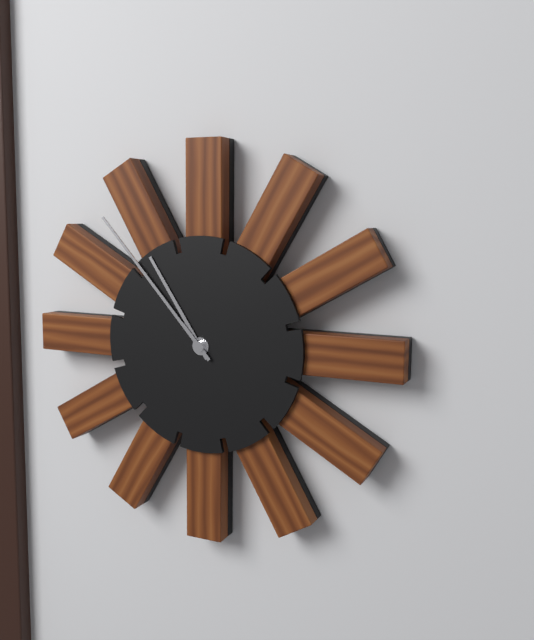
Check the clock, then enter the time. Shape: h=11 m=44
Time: h=10 m=53
